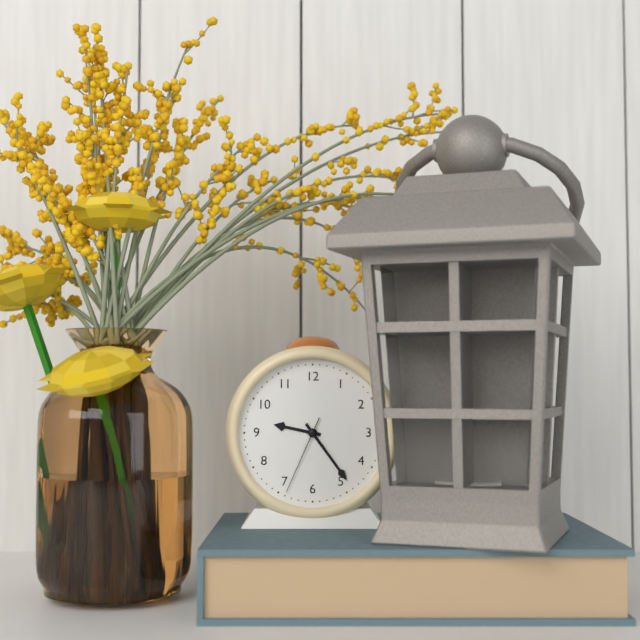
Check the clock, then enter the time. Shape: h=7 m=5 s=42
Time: h=9 m=24 s=34
